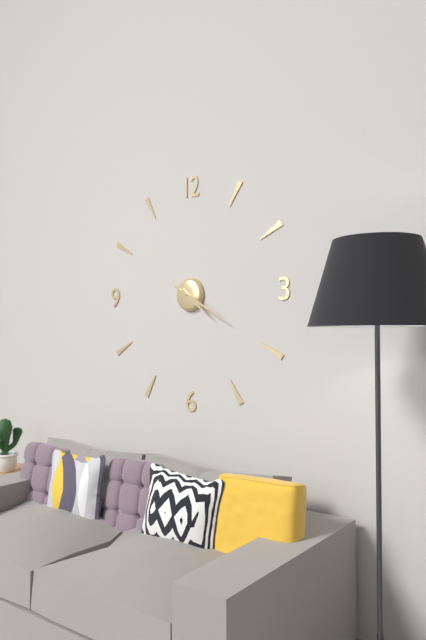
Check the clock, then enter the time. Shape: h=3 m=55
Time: h=4 m=20
